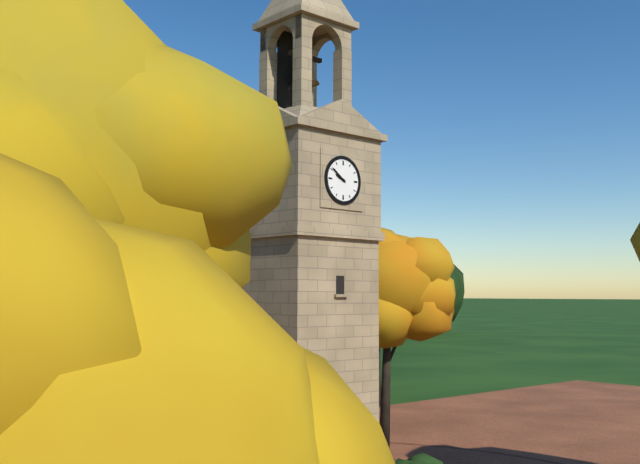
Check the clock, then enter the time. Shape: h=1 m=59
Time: h=9 m=51
